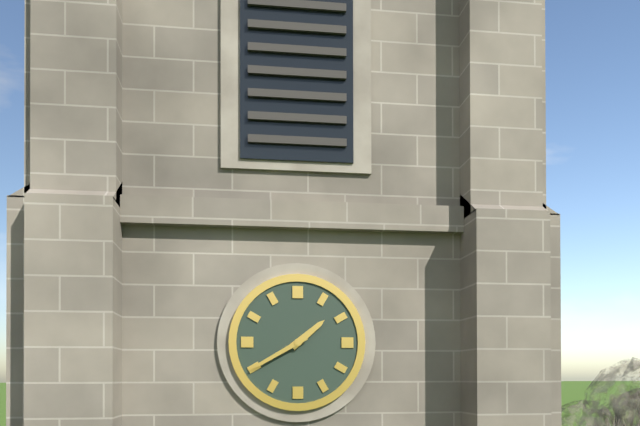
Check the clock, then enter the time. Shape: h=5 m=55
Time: h=1 m=40
